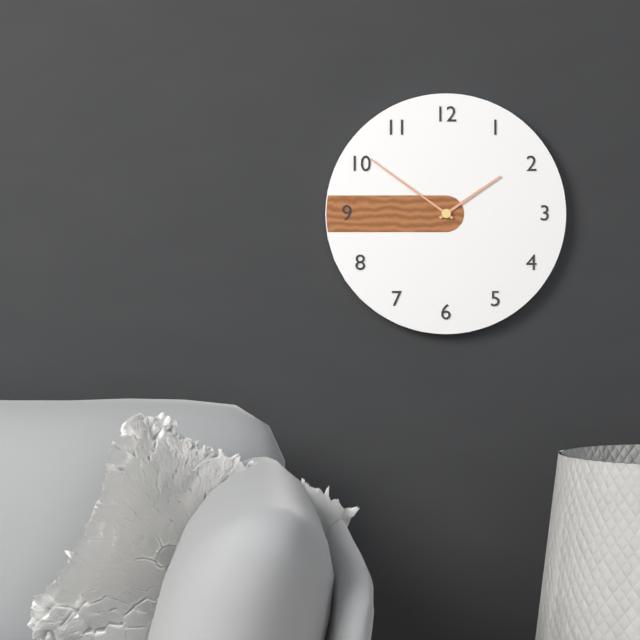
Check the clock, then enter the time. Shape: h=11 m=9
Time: h=1 m=51
